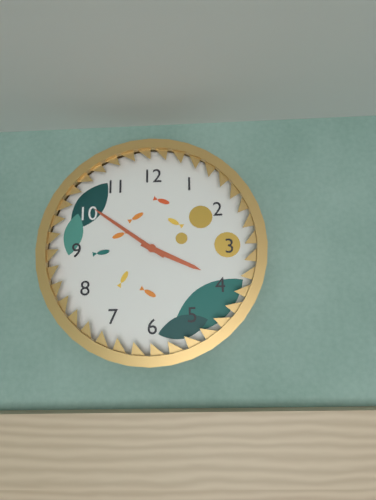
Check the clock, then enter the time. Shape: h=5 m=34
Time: h=3 m=51
